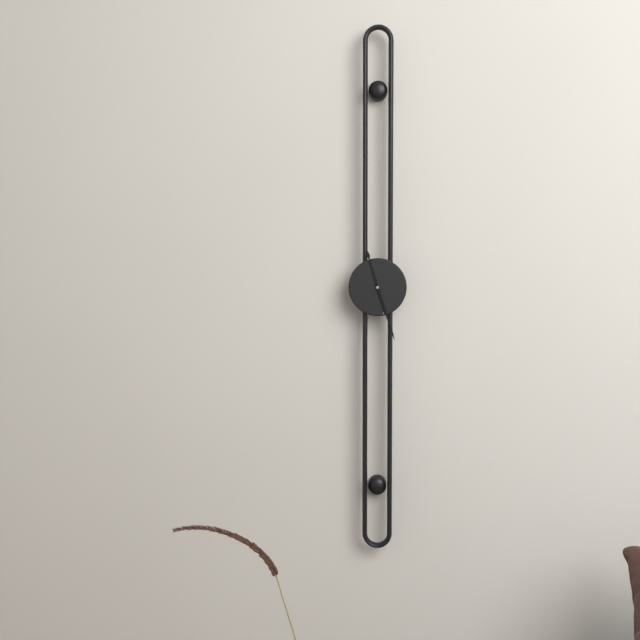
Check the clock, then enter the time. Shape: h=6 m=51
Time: h=11 m=27
